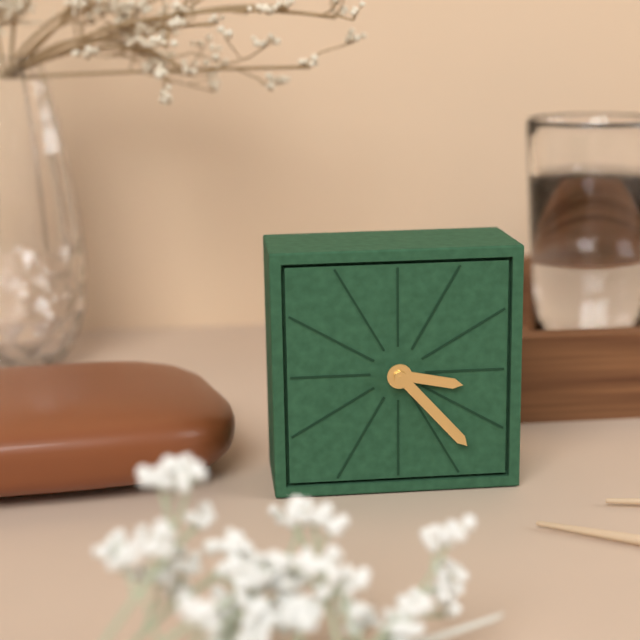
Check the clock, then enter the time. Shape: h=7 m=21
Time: h=3 m=23
